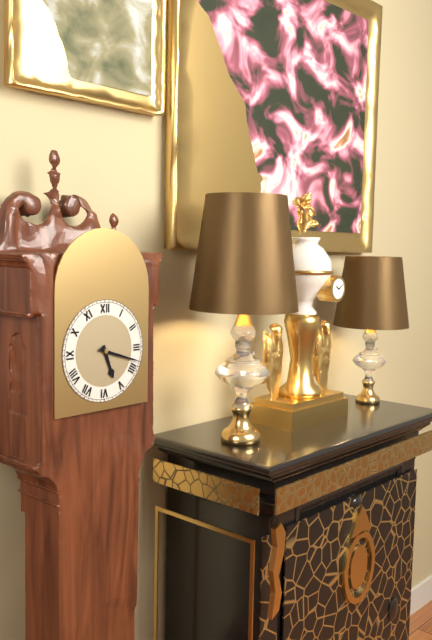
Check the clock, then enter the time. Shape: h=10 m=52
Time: h=5 m=18
